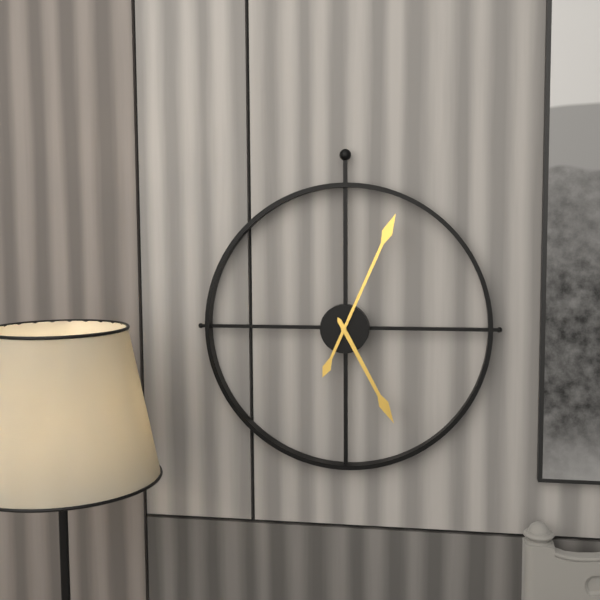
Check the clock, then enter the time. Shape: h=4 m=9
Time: h=5 m=4
